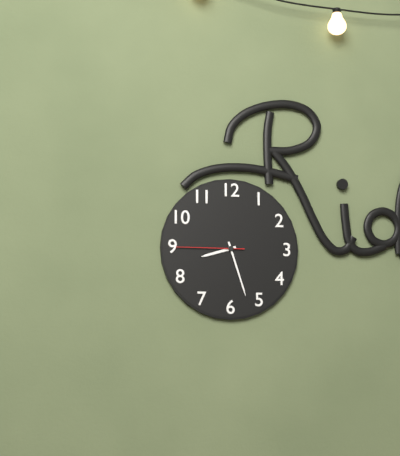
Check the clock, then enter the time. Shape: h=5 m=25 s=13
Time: h=8 m=27 s=45
